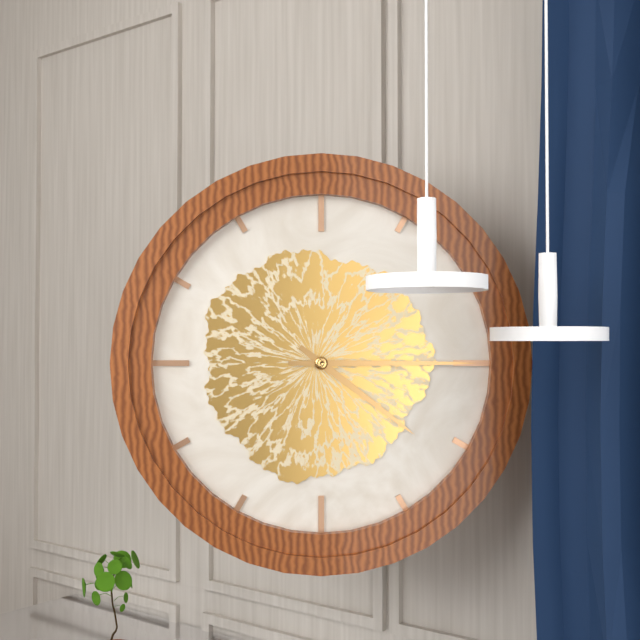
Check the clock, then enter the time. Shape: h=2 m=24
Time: h=4 m=15
